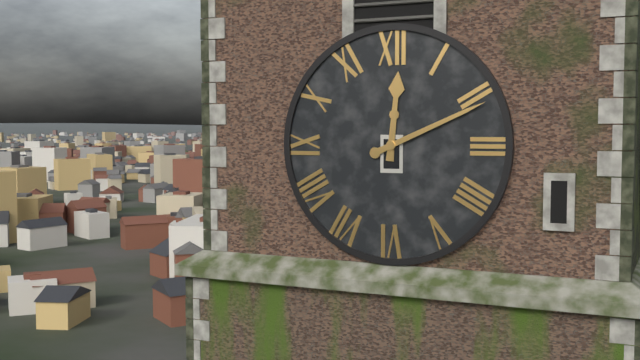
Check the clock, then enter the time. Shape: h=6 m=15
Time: h=12 m=11
